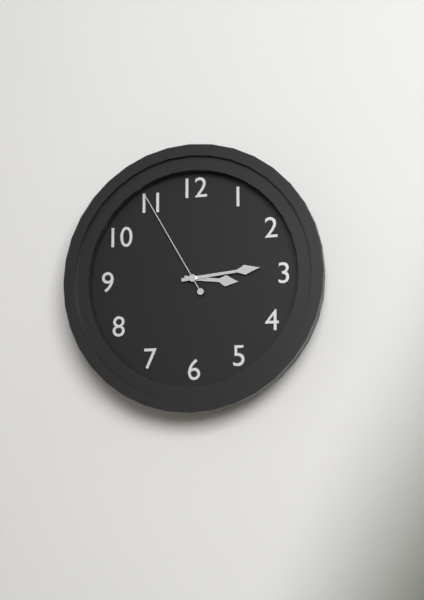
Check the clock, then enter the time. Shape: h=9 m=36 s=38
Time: h=3 m=14 s=55
